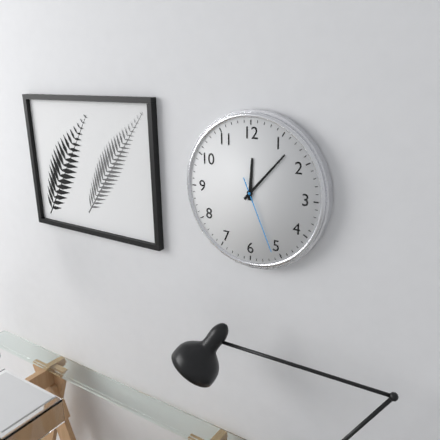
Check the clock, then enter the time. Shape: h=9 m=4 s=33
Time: h=12 m=7 s=26
